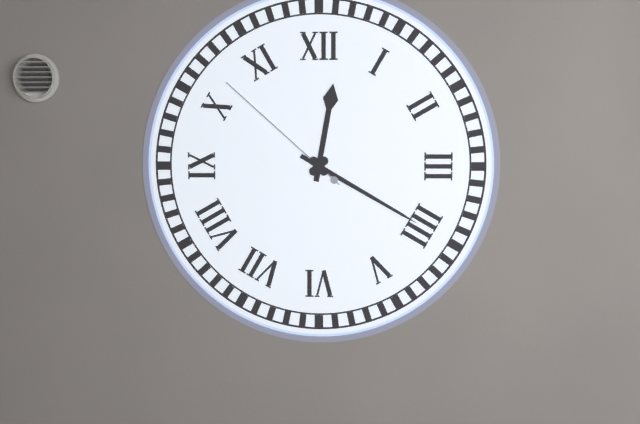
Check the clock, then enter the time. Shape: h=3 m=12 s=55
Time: h=12 m=20 s=52
